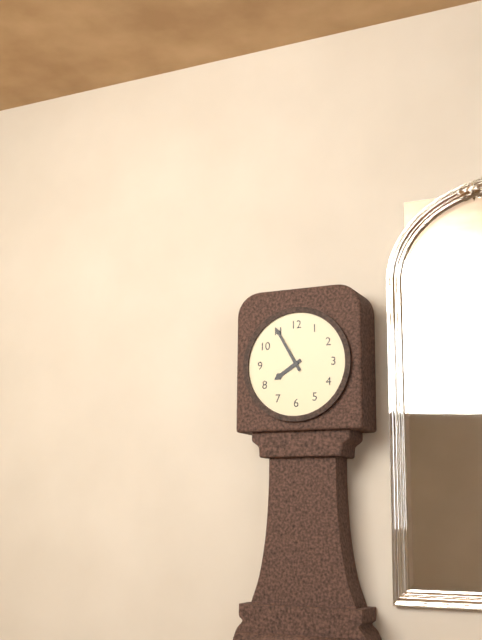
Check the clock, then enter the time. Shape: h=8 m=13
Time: h=7 m=55
